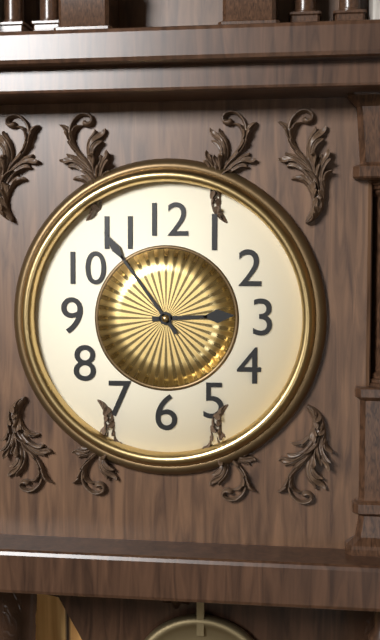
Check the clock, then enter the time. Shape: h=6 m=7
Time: h=2 m=54
